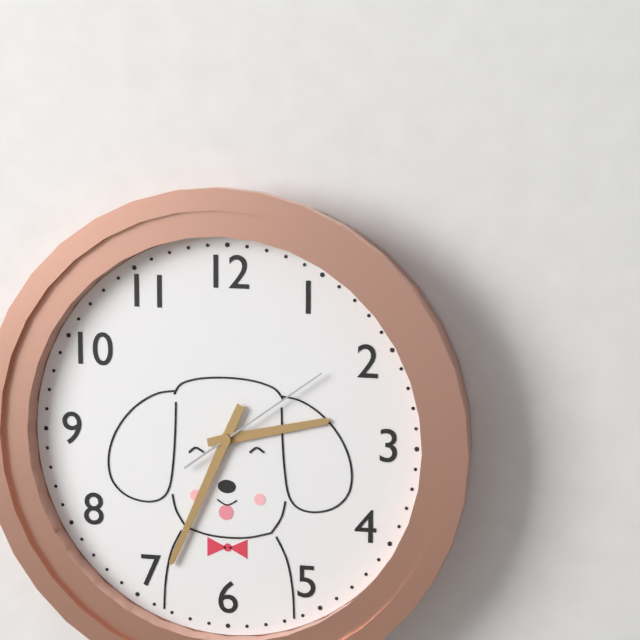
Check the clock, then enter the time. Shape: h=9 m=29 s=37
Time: h=2 m=34 s=9
